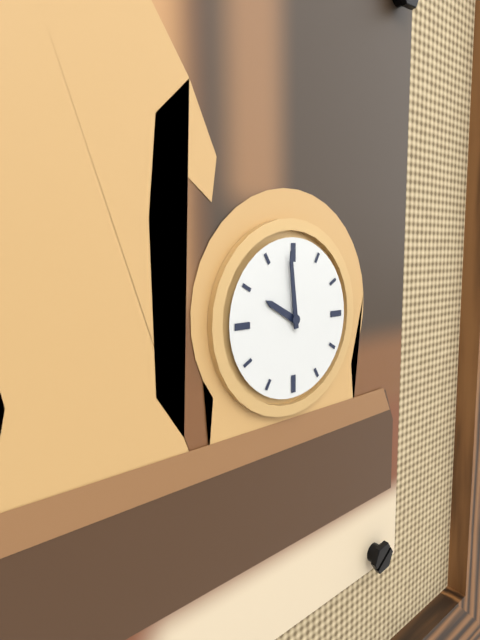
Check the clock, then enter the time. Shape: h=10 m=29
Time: h=9 m=59
